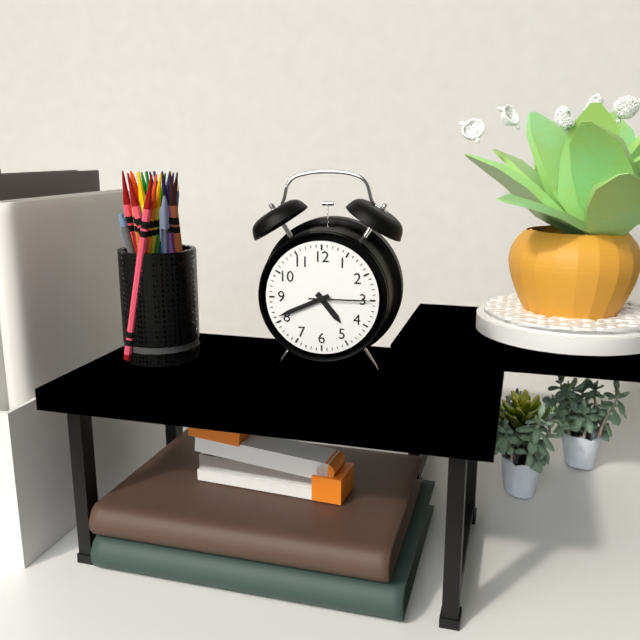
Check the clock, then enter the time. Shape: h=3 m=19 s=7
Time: h=4 m=41 s=15
